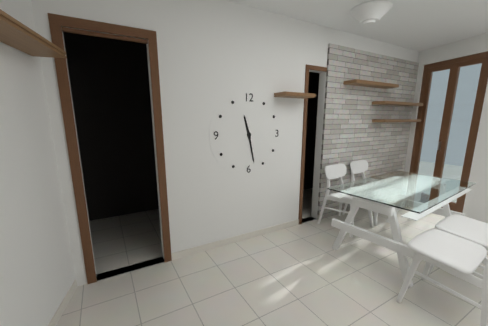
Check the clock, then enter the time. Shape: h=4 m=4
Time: h=11 m=28
